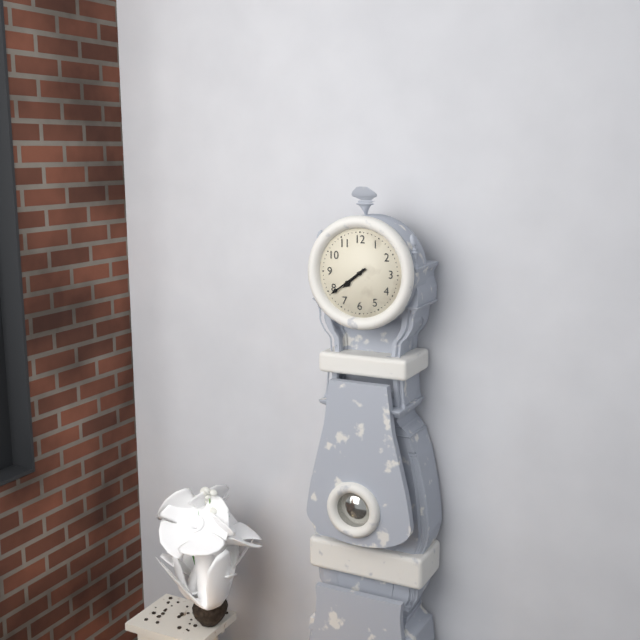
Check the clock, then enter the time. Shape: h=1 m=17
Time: h=7 m=39
